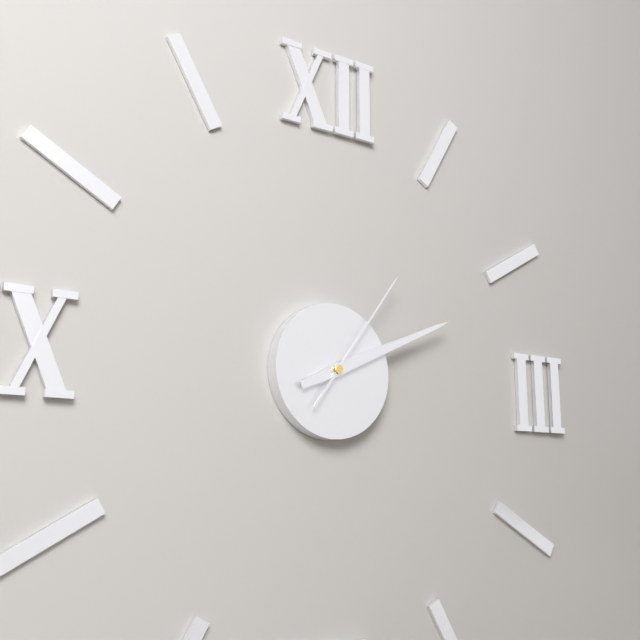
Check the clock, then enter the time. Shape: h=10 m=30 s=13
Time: h=2 m=11 s=6
